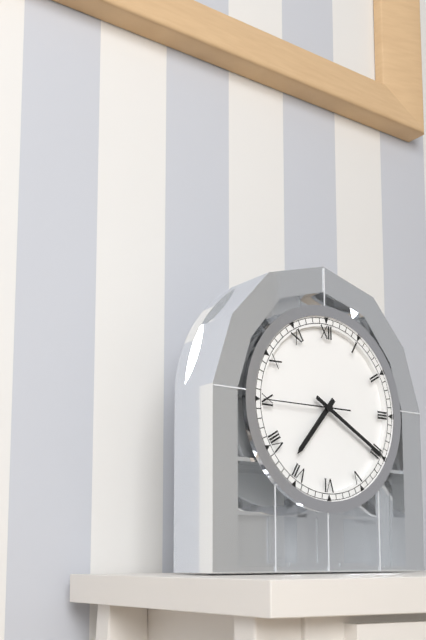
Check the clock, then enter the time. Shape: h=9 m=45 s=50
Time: h=7 m=20 s=45
